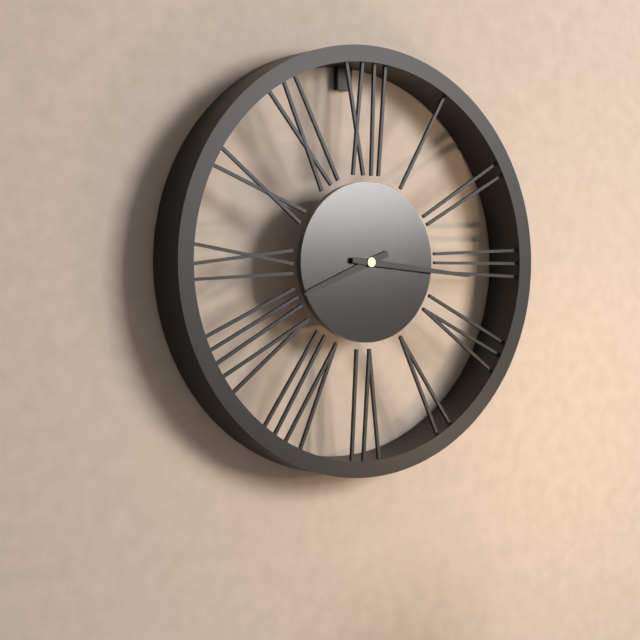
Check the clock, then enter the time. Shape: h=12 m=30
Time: h=8 m=16
